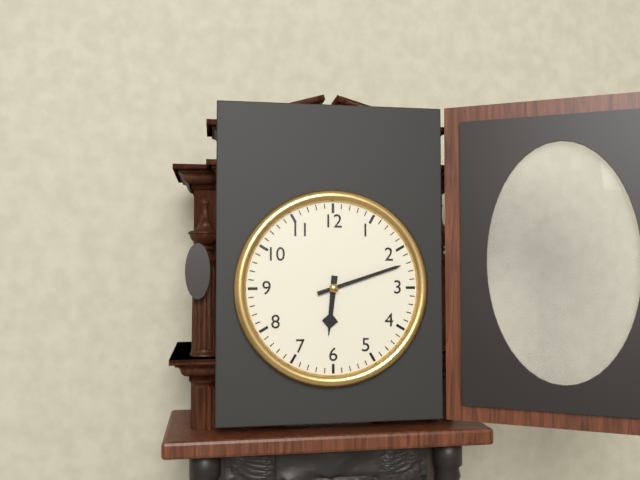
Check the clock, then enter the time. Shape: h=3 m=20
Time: h=6 m=12
